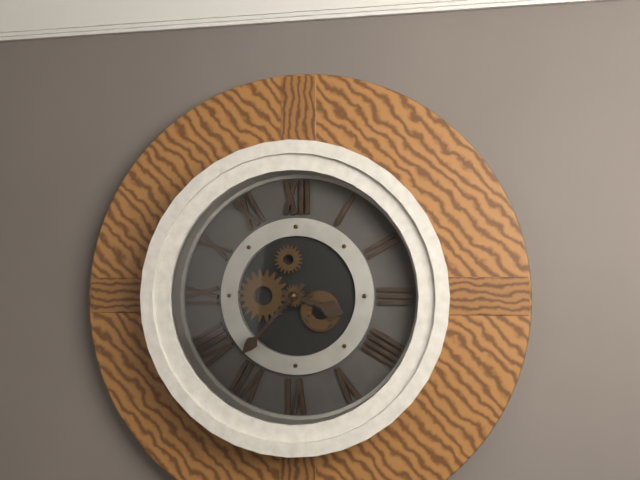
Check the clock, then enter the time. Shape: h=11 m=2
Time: h=3 m=37
